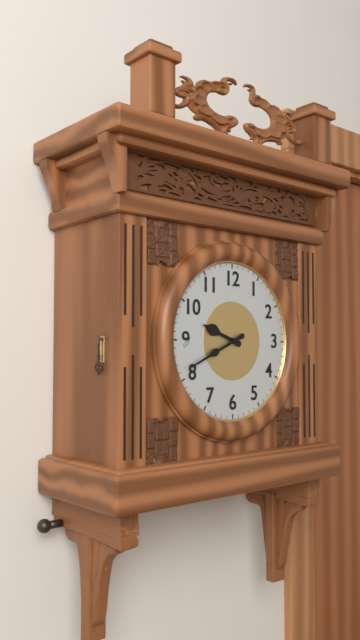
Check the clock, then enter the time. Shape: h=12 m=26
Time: h=9 m=41
